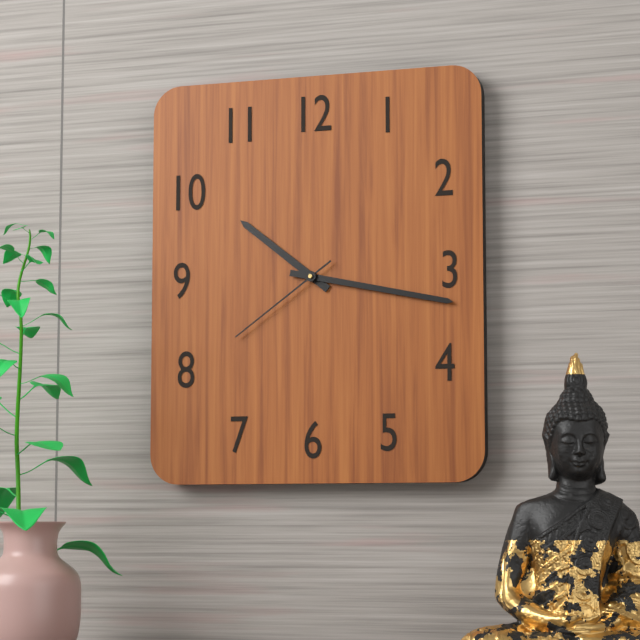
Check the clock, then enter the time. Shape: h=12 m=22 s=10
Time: h=10 m=17 s=39
